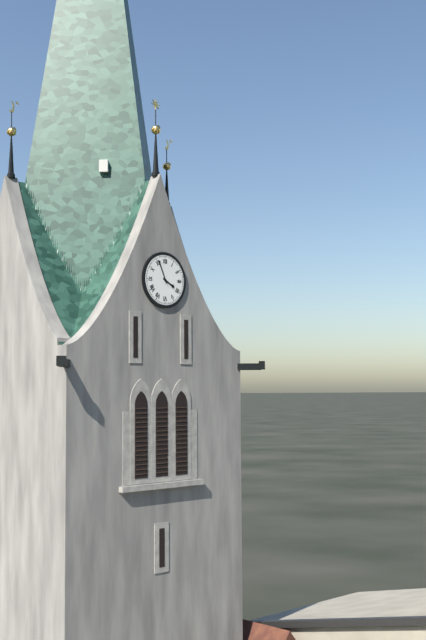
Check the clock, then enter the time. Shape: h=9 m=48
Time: h=3 m=56
